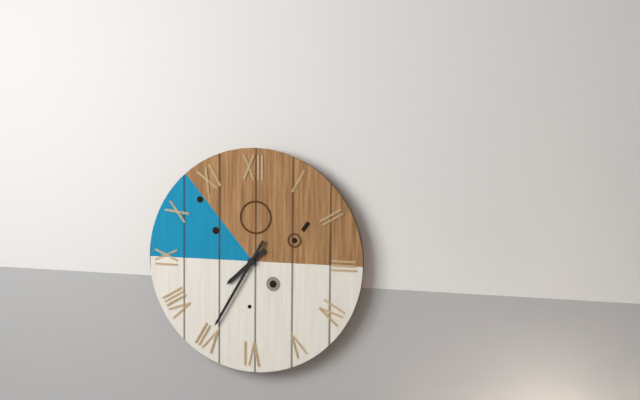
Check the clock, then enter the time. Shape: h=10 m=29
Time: h=7 m=35
